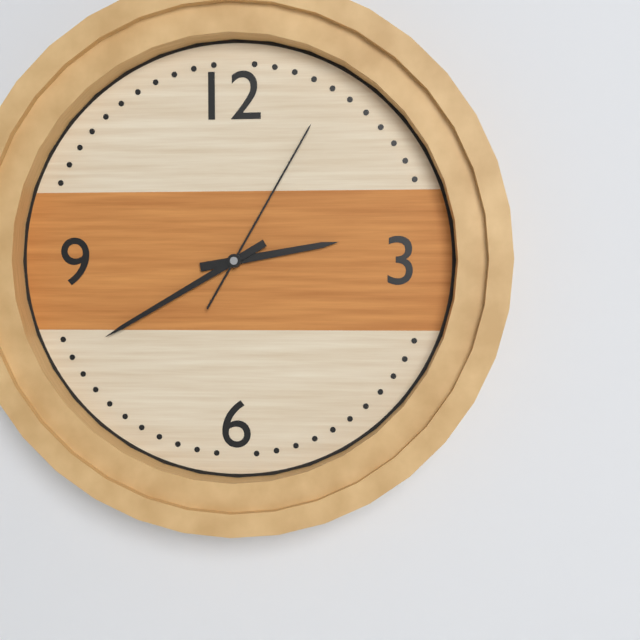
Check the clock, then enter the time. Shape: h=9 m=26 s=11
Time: h=2 m=40 s=5
